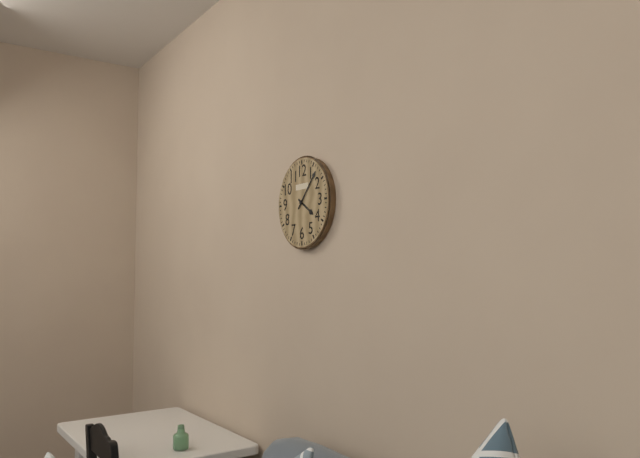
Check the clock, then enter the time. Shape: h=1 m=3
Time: h=4 m=7
